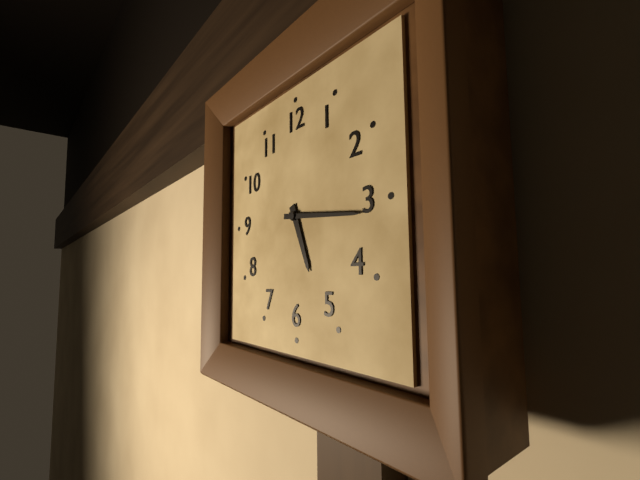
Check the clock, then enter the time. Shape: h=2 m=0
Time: h=5 m=16
